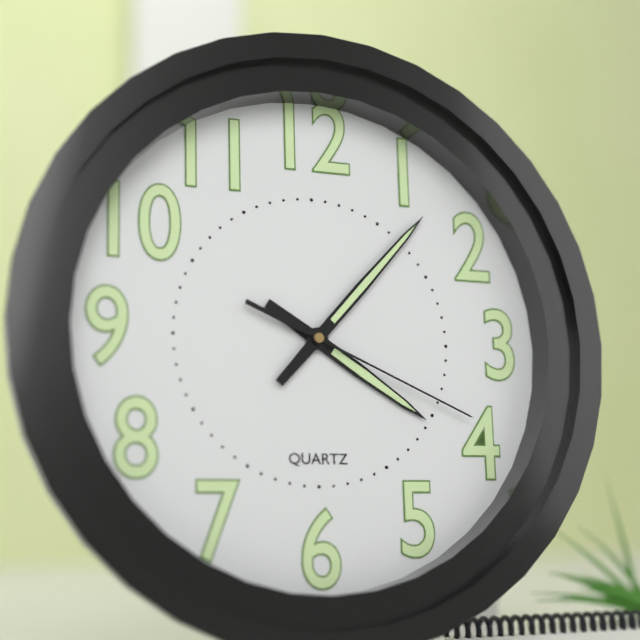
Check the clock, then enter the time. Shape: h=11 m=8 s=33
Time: h=4 m=7 s=19
